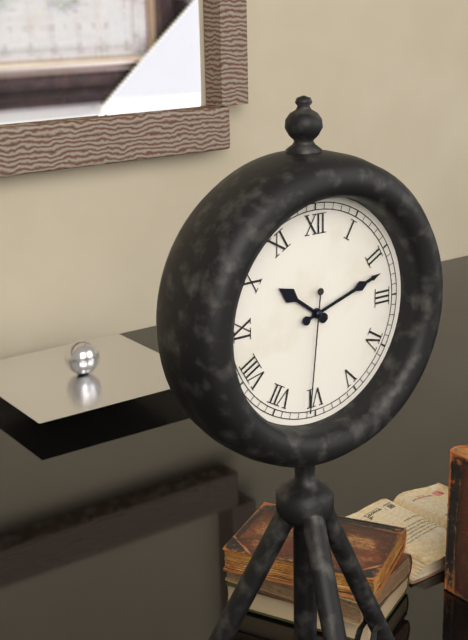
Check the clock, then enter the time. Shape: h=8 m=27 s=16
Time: h=10 m=12 s=31
